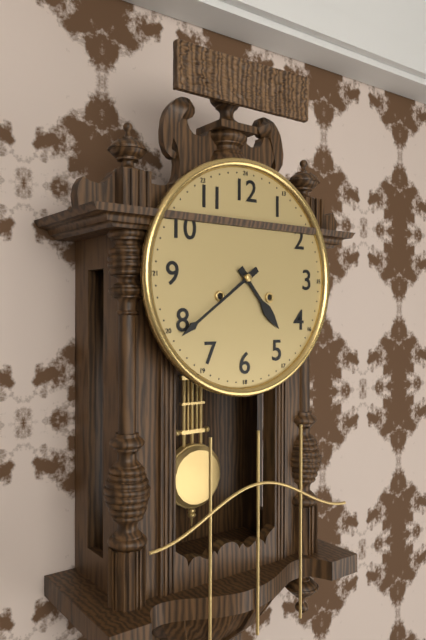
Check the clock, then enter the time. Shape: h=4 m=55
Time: h=4 m=39
